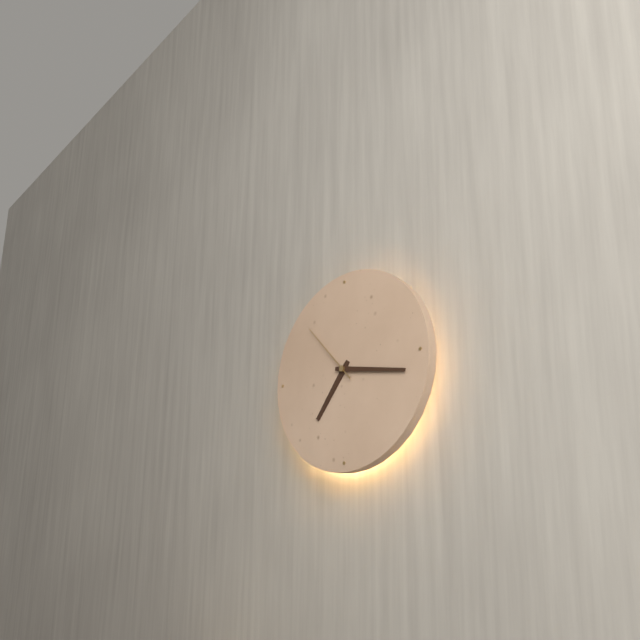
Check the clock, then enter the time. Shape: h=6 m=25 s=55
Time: h=7 m=17 s=53
